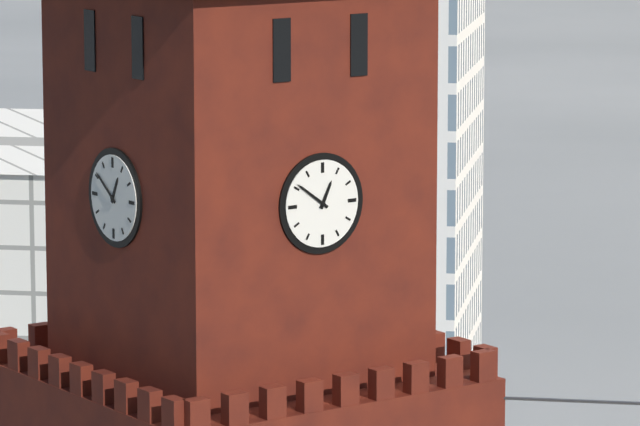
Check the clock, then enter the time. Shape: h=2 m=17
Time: h=12 m=51
